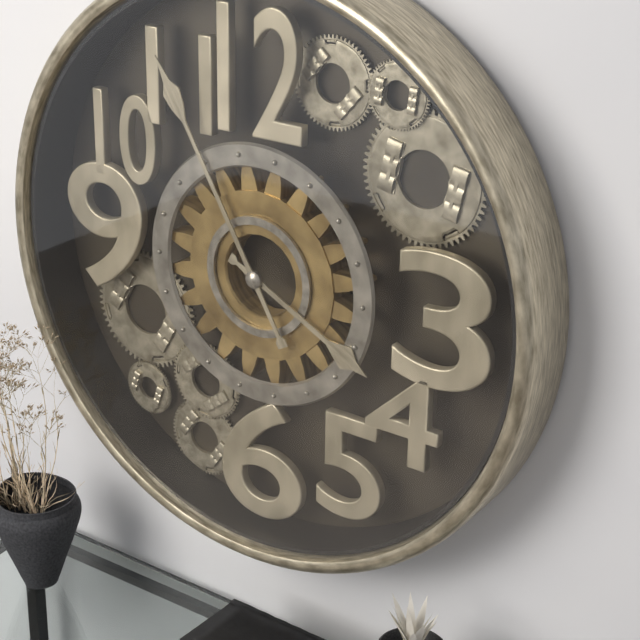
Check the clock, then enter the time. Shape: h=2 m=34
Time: h=3 m=55
